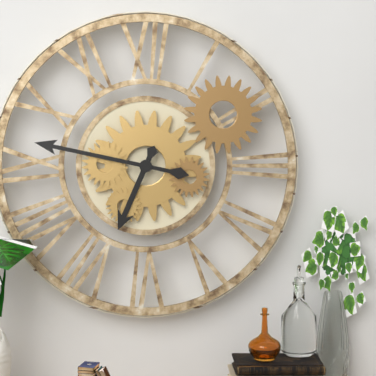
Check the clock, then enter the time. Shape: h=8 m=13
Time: h=6 m=47
